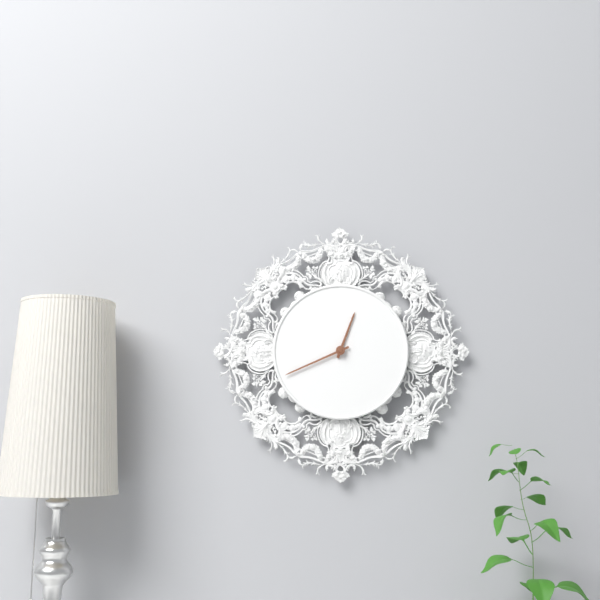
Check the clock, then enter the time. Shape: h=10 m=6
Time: h=12 m=41
